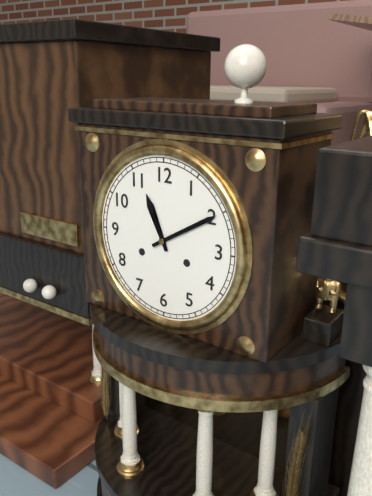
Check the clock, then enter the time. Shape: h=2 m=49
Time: h=11 m=10
